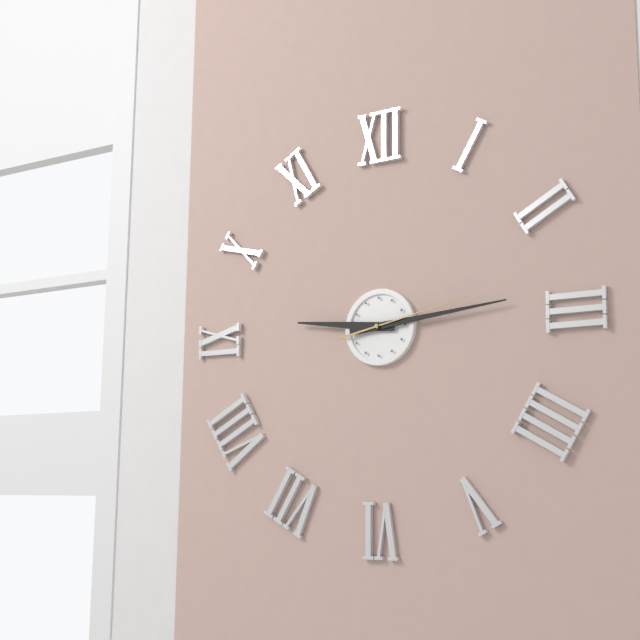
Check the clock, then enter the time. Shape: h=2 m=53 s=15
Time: h=9 m=14 s=13
